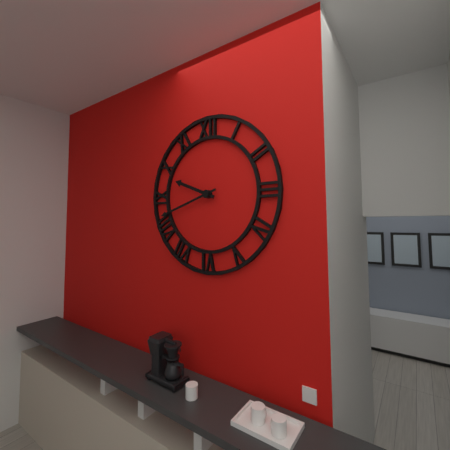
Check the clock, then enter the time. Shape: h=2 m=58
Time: h=9 m=42
